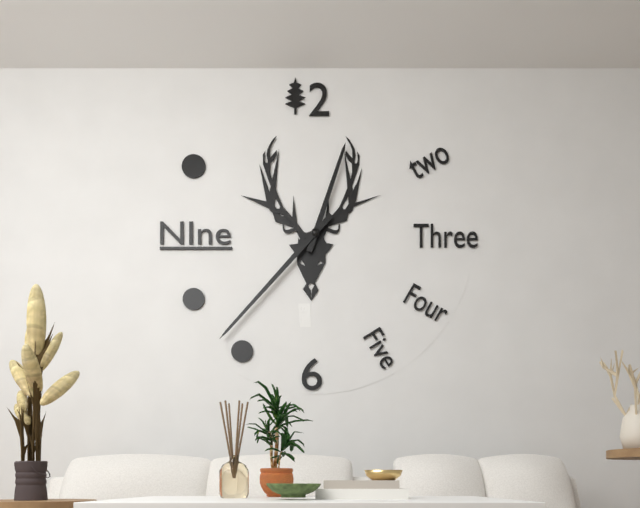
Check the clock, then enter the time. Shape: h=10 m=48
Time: h=12 m=37
